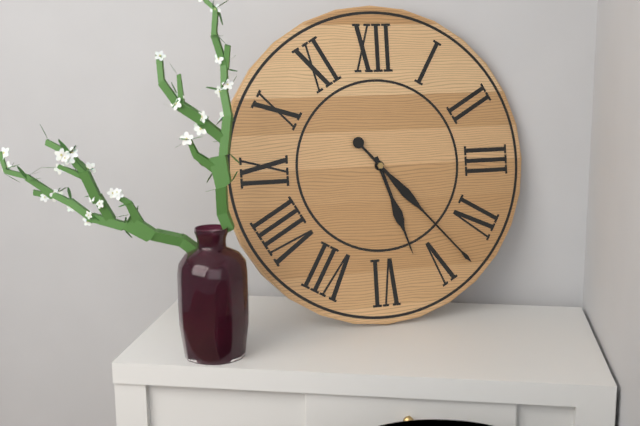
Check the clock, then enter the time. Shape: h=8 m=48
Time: h=5 m=23
